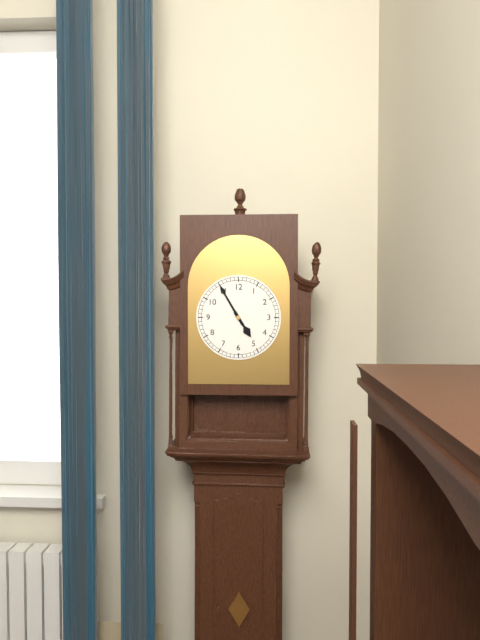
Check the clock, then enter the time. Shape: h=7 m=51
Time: h=4 m=55
